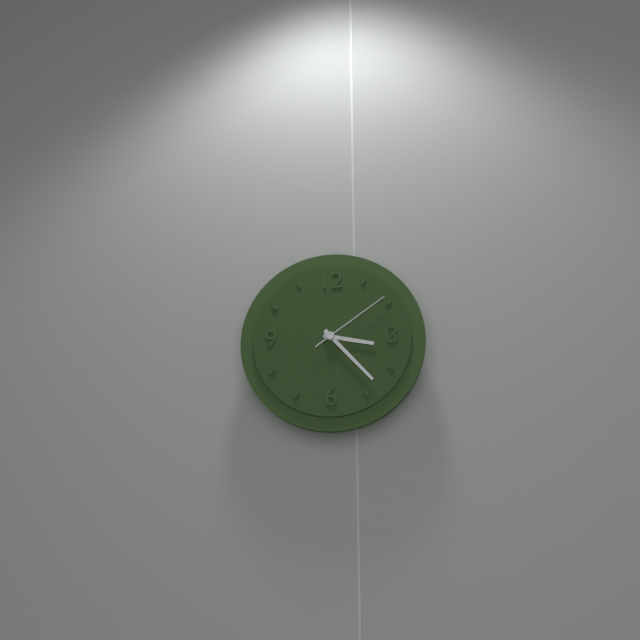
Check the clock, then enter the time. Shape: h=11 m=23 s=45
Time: h=3 m=23 s=9
